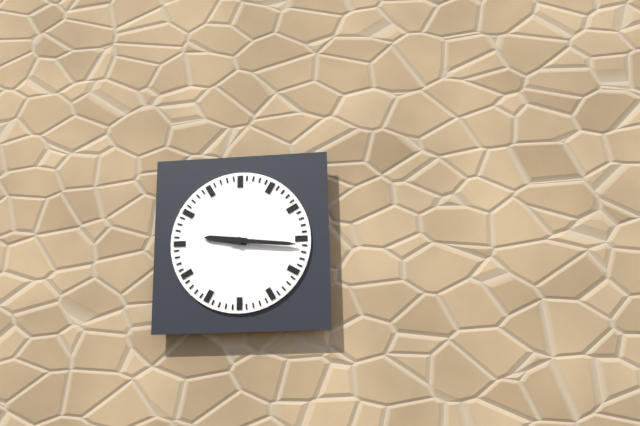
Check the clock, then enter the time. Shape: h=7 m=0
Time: h=9 m=16
